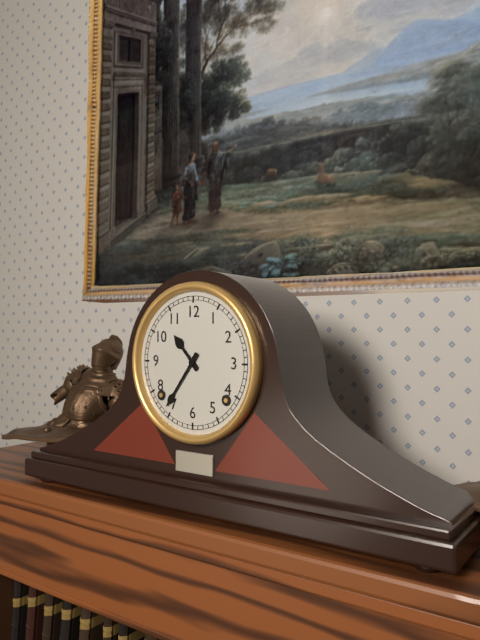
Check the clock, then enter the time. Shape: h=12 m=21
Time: h=10 m=36
